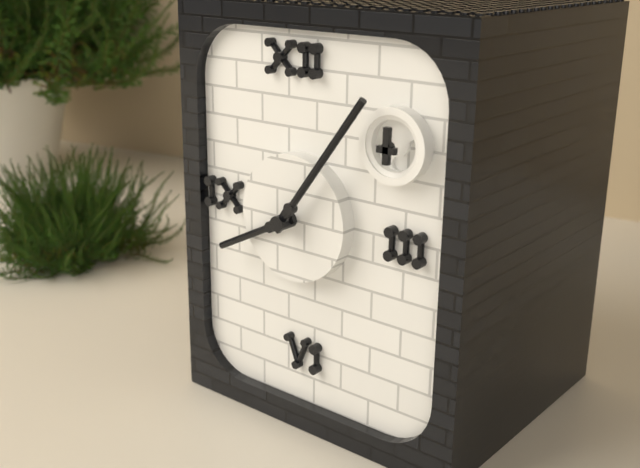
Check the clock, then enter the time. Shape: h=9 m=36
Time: h=8 m=6
